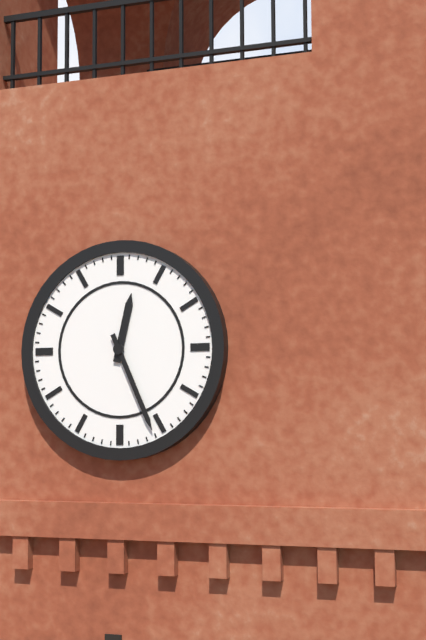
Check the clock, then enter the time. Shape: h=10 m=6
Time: h=12 m=26
